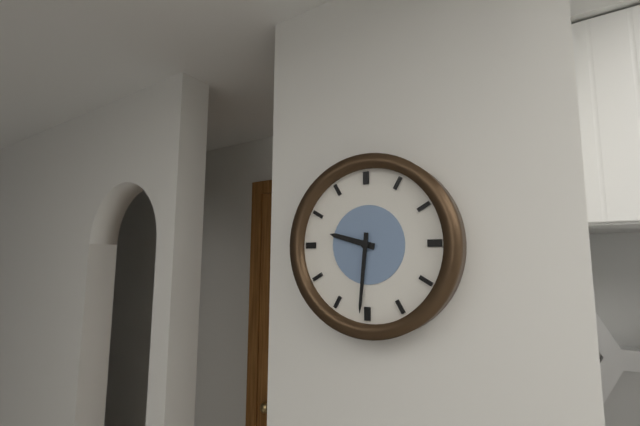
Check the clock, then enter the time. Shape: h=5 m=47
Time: h=9 m=31
